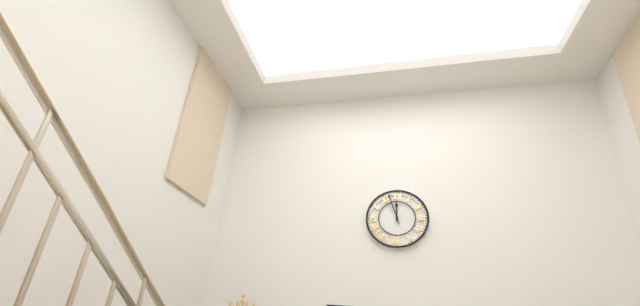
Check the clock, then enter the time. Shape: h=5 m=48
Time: h=11 m=57
